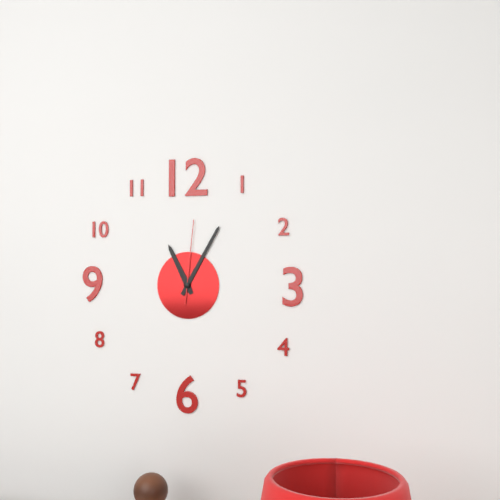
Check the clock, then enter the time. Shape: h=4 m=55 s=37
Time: h=11 m=5 s=1
